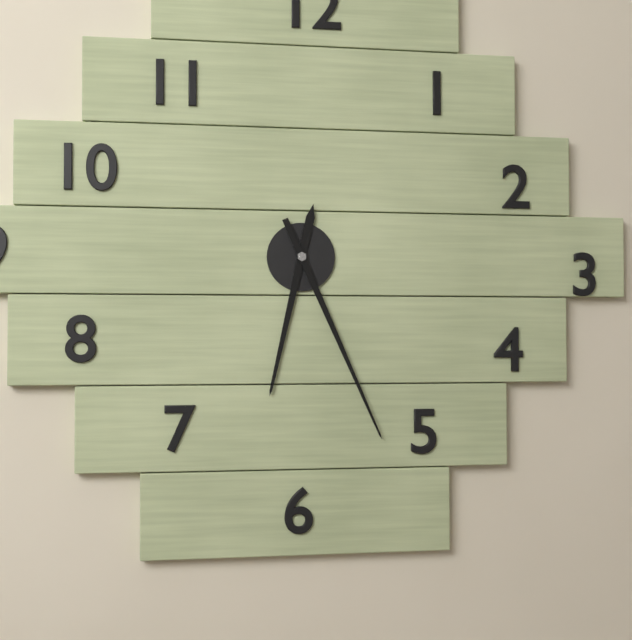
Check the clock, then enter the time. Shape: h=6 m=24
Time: h=6 m=26
